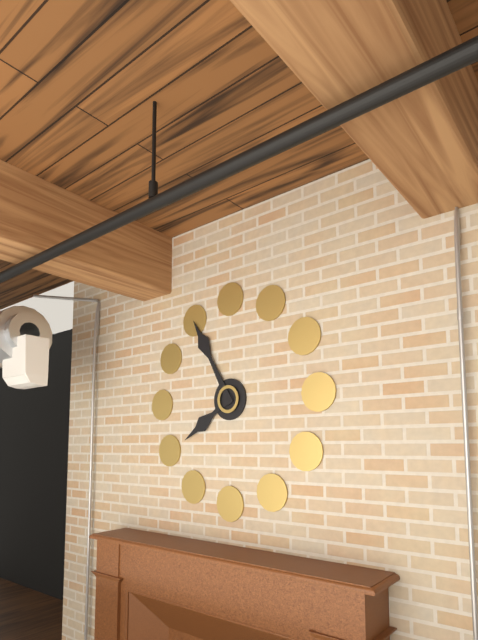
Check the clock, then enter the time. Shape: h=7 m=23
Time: h=7 m=55
